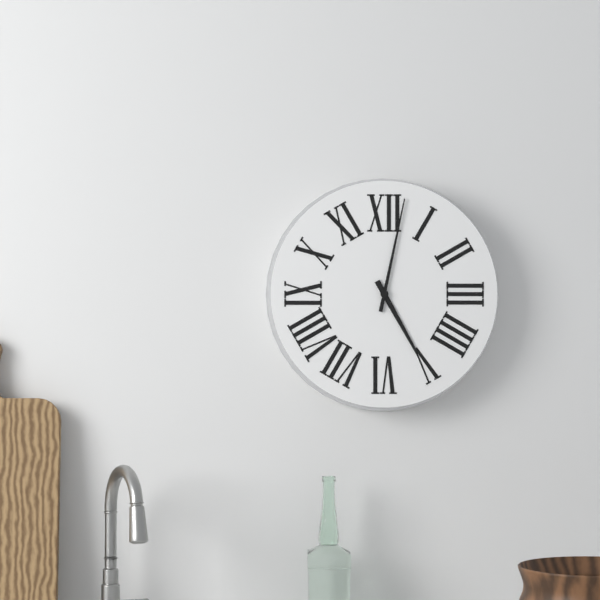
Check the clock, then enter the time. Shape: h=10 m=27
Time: h=5 m=2
